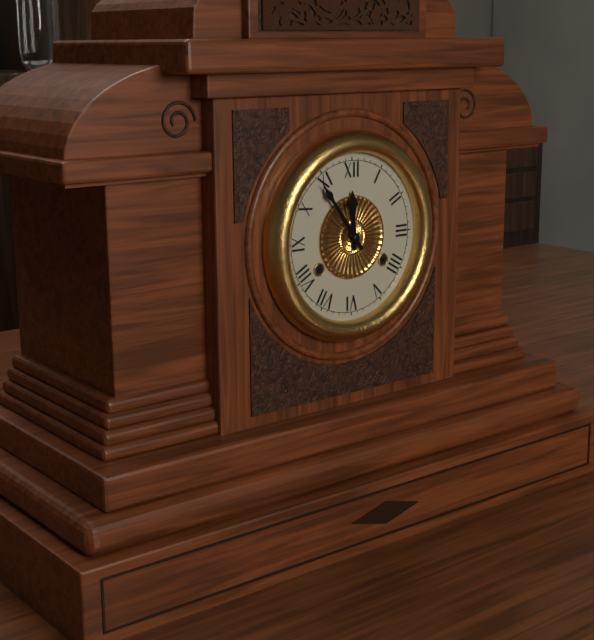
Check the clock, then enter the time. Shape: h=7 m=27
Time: h=11 m=54
